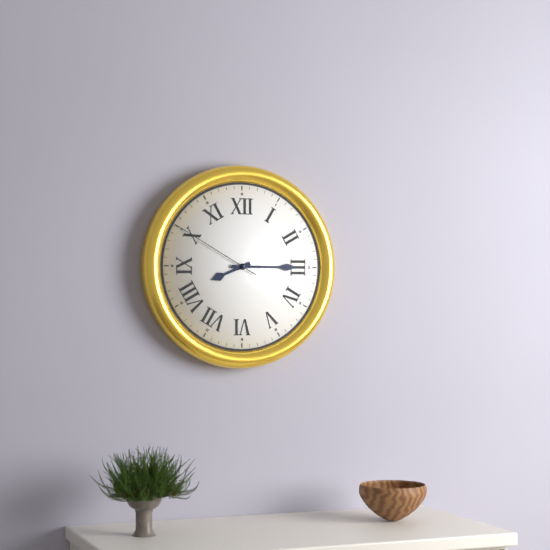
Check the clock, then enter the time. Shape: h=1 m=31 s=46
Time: h=8 m=15 s=50
